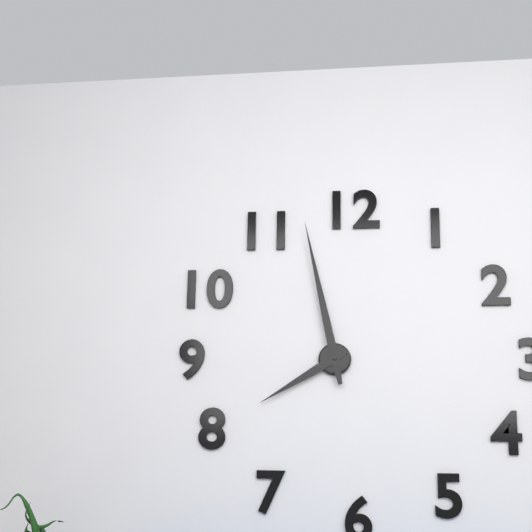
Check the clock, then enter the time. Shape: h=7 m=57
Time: h=7 m=58
